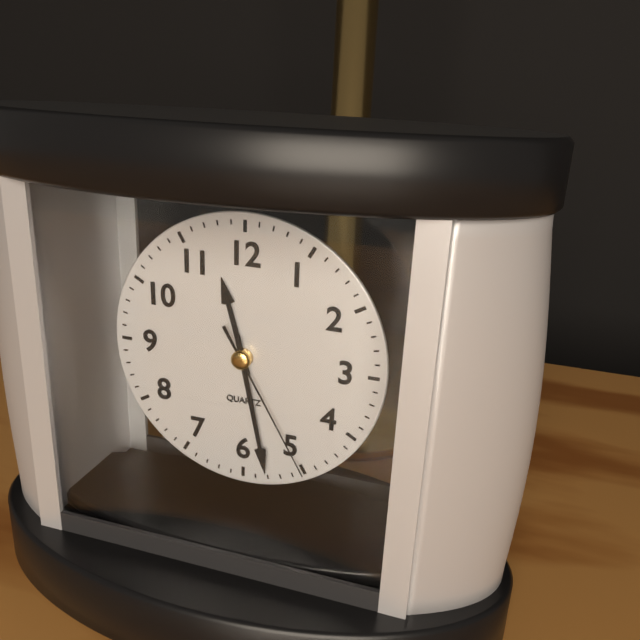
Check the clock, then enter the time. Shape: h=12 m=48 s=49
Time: h=11 m=28 s=25
